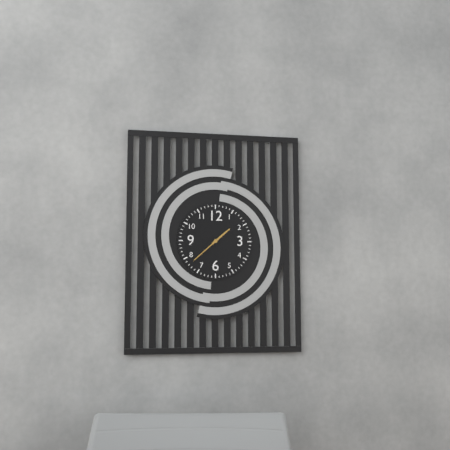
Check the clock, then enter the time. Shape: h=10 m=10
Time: h=1 m=38
